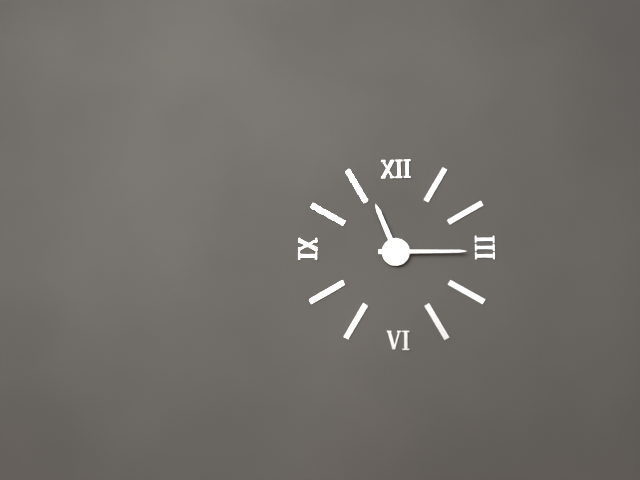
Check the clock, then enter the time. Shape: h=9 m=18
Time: h=11 m=15
